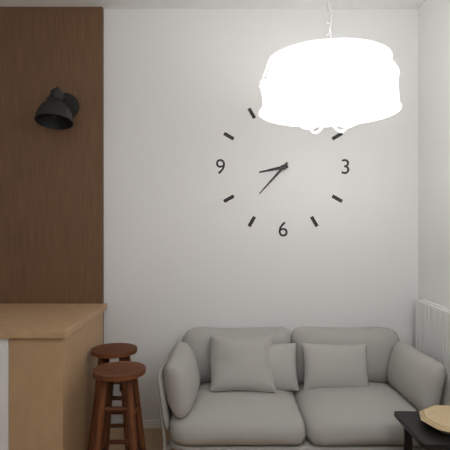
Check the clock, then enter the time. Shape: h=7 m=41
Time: h=8 m=37
